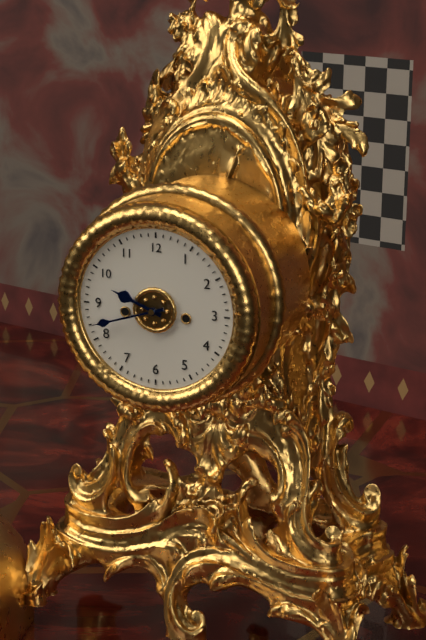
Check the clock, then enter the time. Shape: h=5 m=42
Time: h=9 m=42
